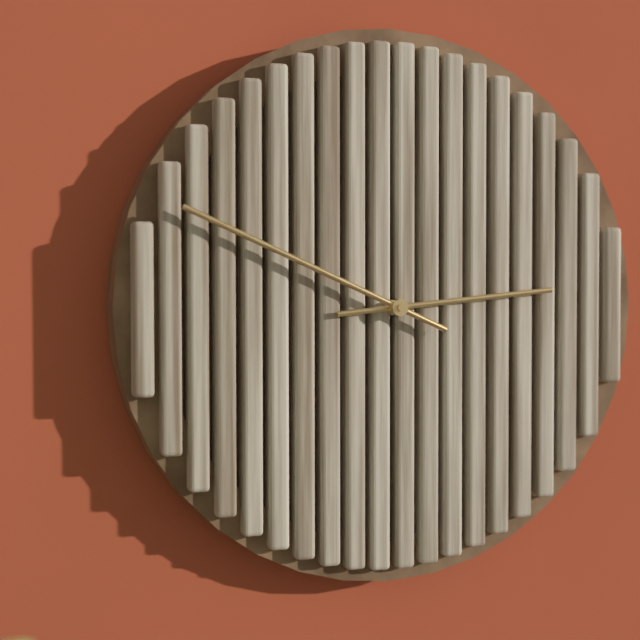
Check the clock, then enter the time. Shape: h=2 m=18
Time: h=2 m=49
